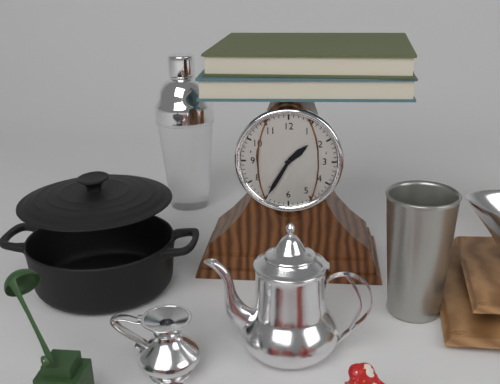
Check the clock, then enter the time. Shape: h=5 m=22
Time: h=1 m=35
